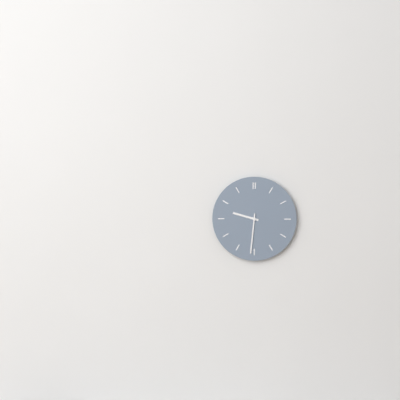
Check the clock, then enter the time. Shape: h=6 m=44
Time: h=9 m=31
